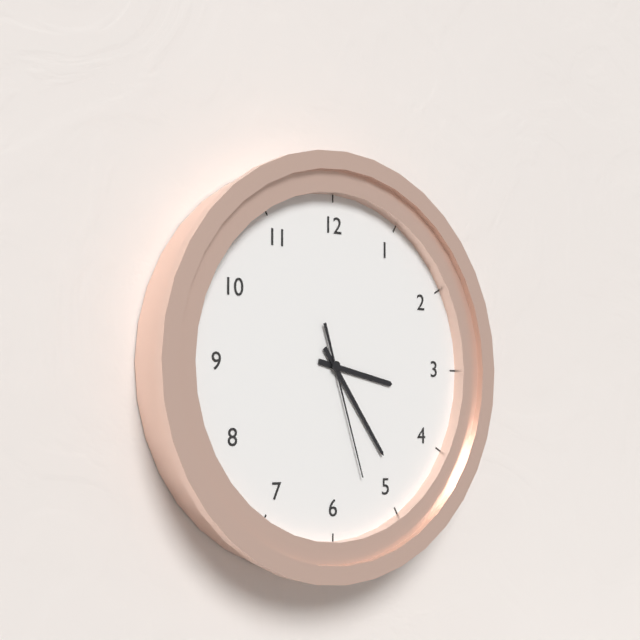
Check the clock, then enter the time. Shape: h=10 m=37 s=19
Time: h=3 m=24 s=27
